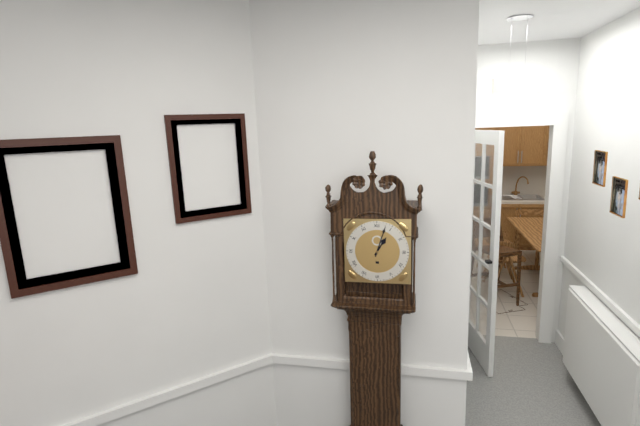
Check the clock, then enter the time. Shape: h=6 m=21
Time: h=1 m=3
